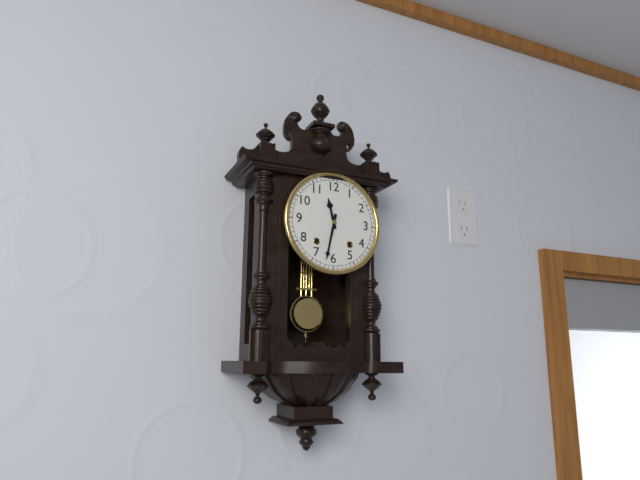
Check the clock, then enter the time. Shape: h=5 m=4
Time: h=11 m=32
